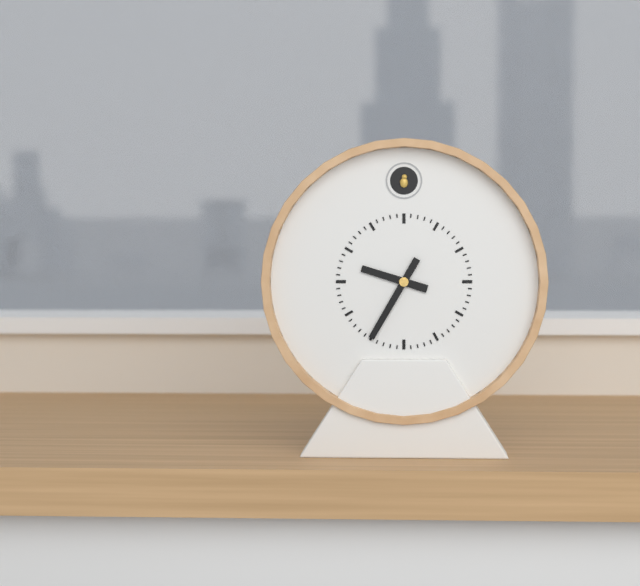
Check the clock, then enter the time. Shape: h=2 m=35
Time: h=9 m=35
